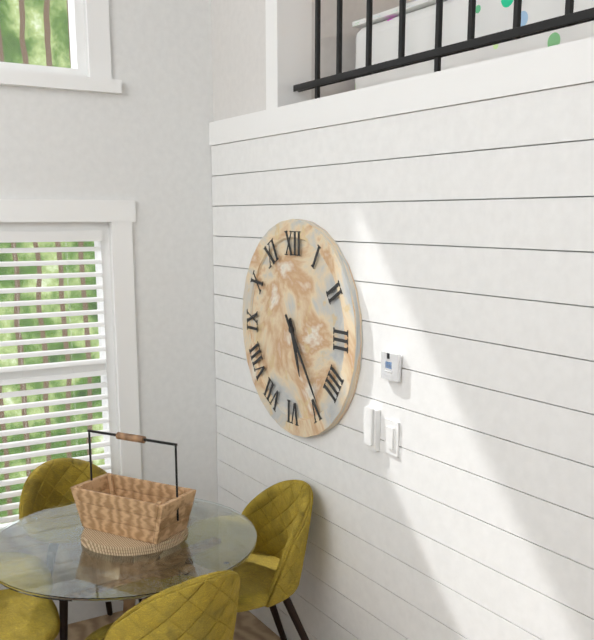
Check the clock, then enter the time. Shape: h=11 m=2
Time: h=5 m=24
